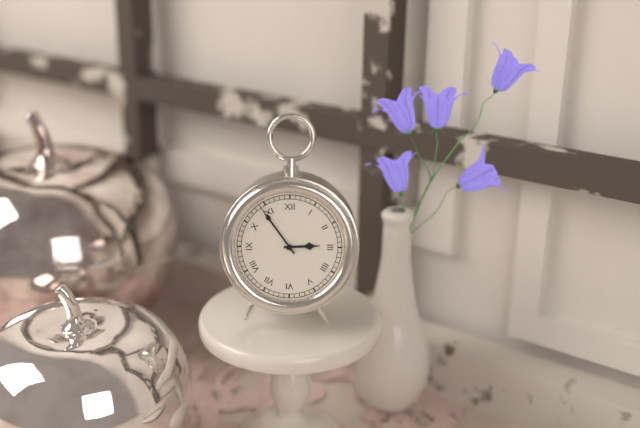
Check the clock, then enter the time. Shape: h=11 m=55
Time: h=2 m=54
